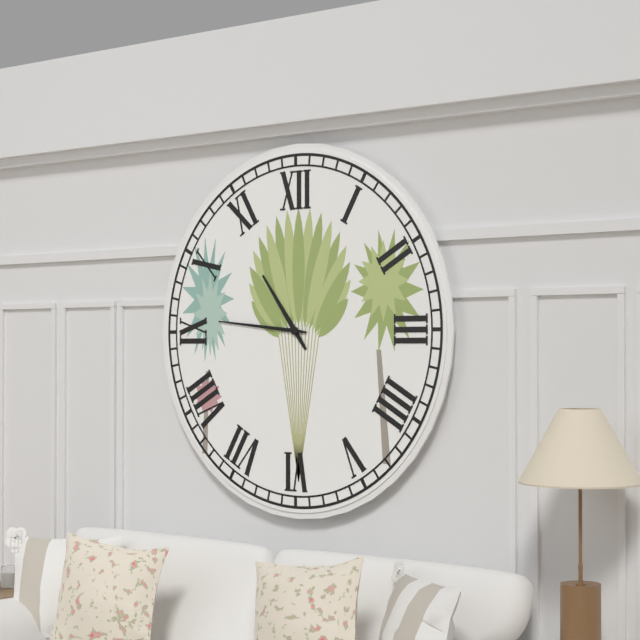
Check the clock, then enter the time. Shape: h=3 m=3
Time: h=10 m=46
